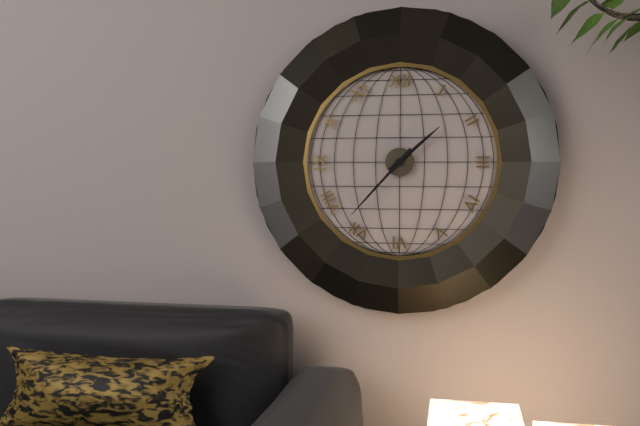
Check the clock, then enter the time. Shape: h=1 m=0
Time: h=1 m=37
